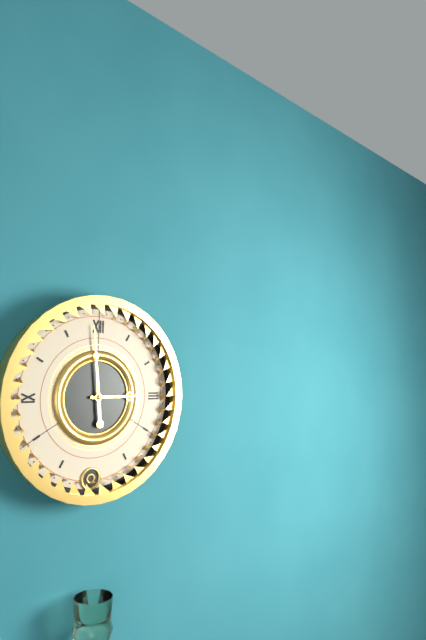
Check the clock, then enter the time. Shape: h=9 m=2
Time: h=2 m=59
